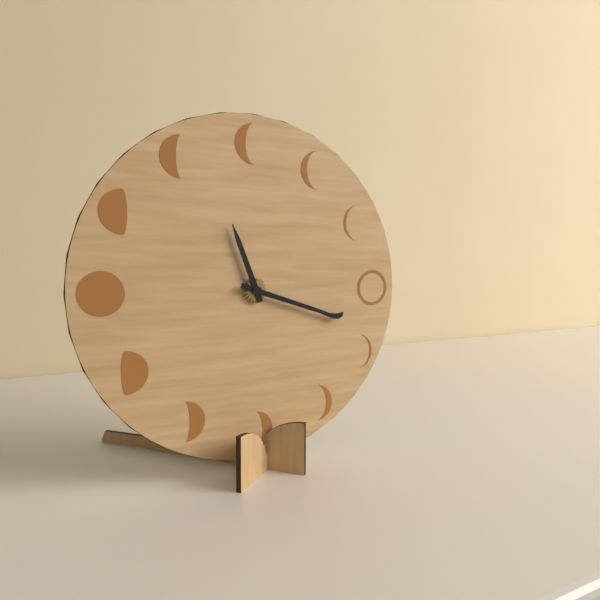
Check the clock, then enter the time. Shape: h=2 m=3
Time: h=11 m=18
